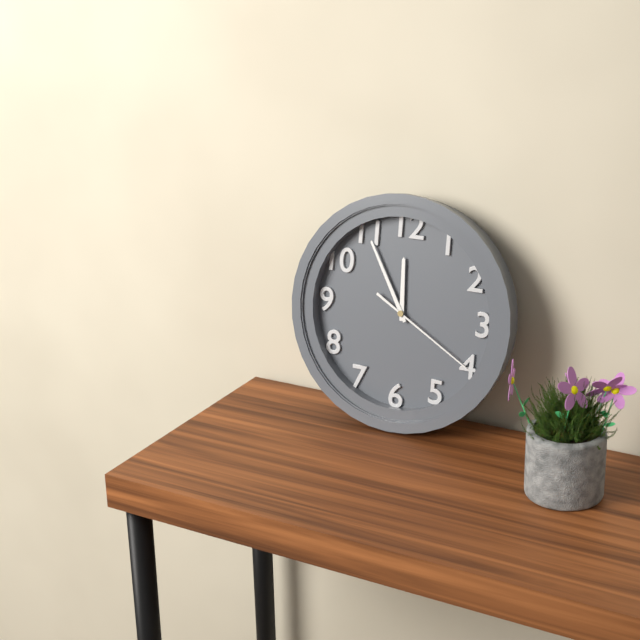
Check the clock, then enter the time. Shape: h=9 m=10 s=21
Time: h=11 m=55 s=20
